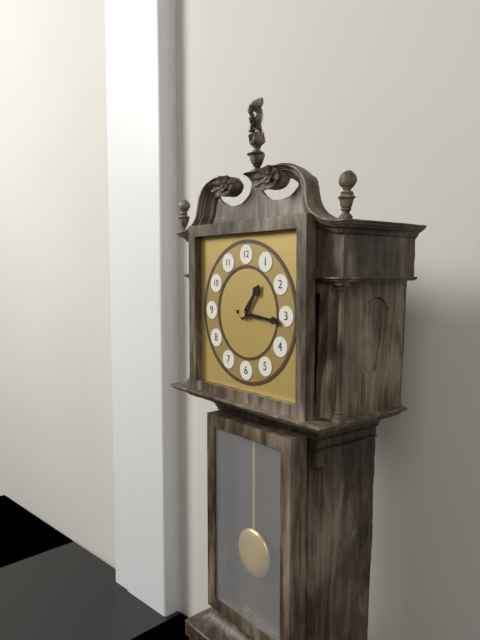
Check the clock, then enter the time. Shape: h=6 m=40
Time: h=1 m=16
